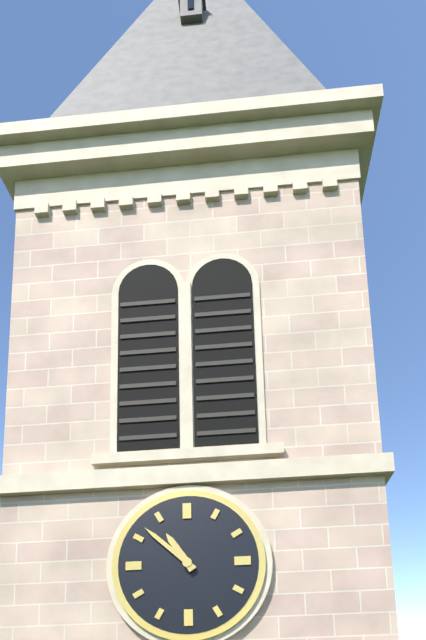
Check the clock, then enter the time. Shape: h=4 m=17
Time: h=10 m=52
